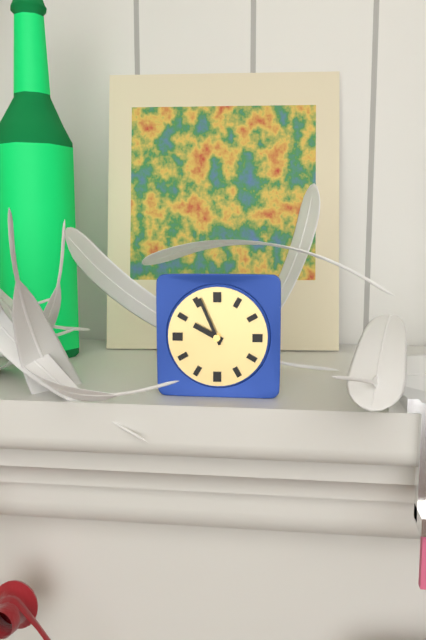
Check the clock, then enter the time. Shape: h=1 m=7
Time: h=9 m=56
